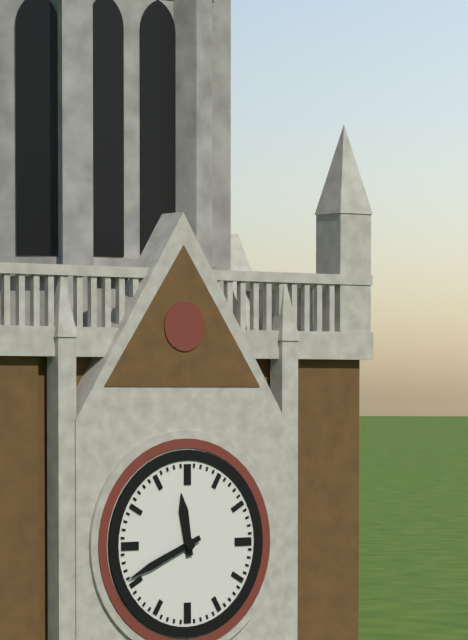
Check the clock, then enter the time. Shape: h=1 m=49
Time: h=11 m=41
